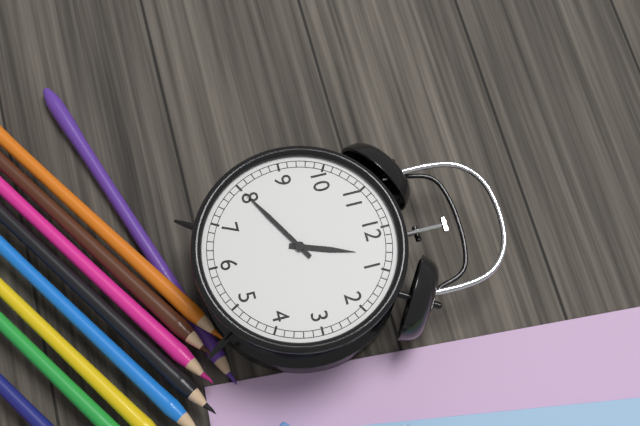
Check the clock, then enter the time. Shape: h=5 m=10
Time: h=12 m=40
